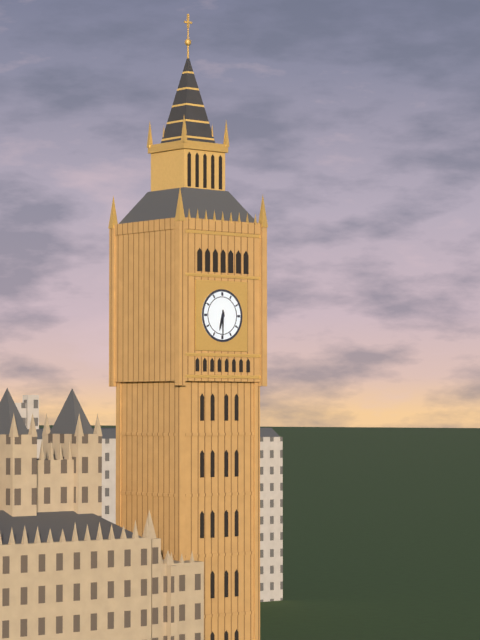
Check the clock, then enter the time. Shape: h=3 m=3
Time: h=6 m=30
